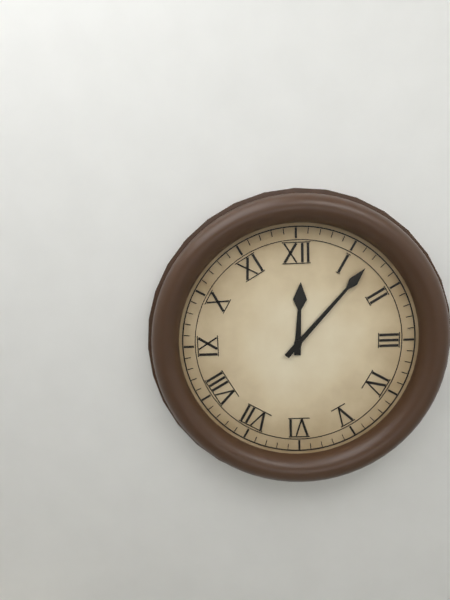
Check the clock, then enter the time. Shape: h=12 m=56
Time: h=12 m=7
